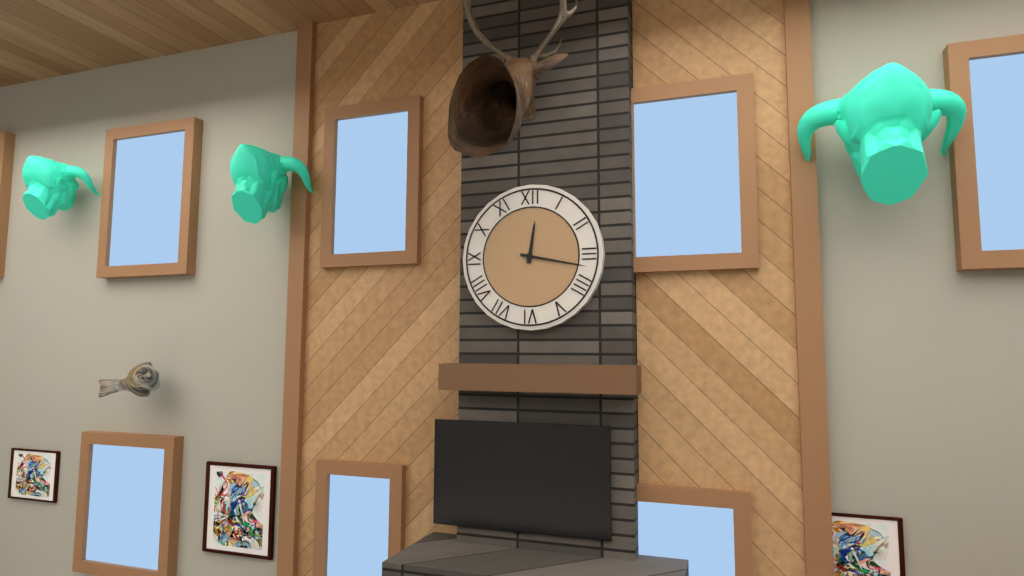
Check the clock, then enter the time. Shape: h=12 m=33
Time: h=12 m=17
